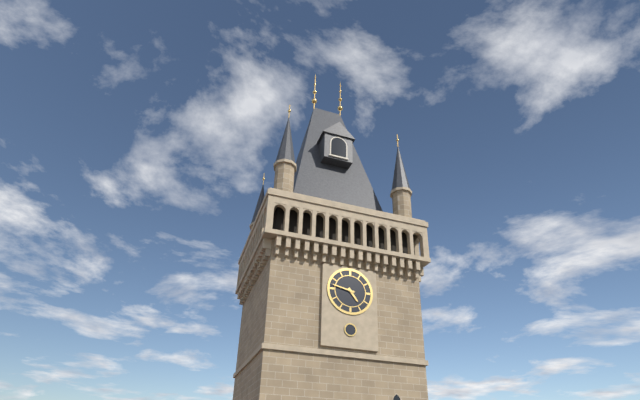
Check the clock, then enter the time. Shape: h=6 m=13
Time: h=4 m=47
